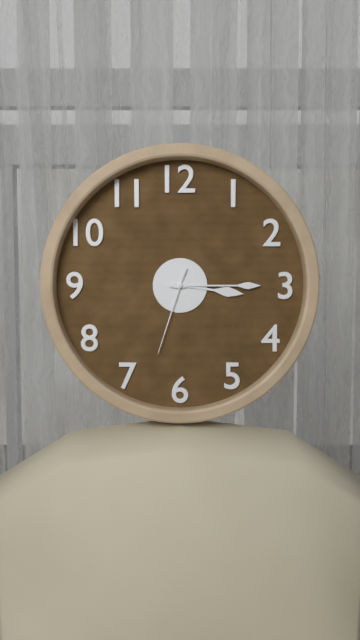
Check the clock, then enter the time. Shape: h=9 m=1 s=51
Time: h=3 m=15 s=33
